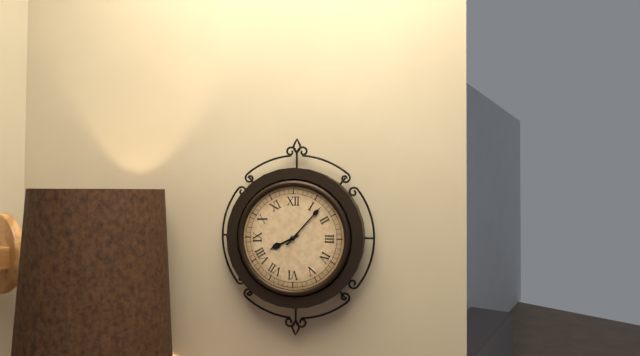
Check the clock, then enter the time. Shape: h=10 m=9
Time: h=8 m=7
